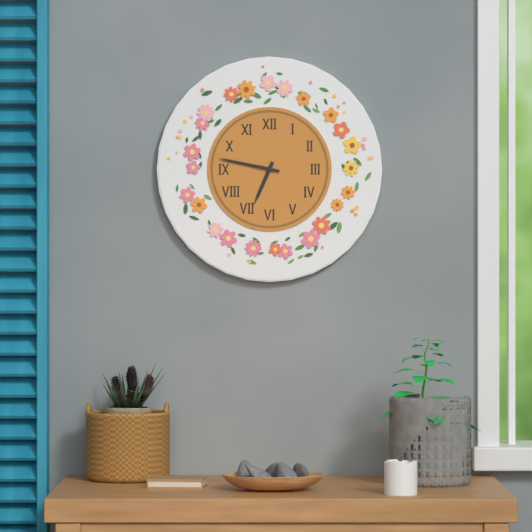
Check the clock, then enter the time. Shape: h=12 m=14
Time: h=6 m=47
